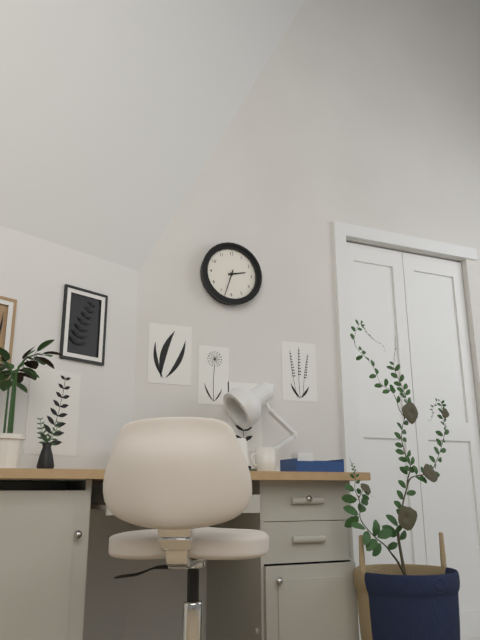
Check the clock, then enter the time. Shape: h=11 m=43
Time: h=2 m=33
